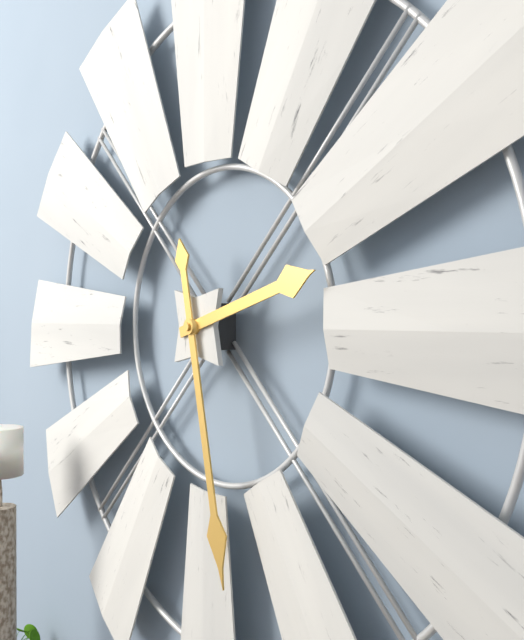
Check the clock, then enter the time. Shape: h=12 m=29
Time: h=2 m=28
